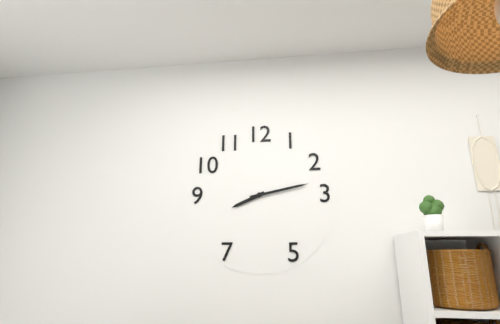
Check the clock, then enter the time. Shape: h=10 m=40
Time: h=8 m=13
